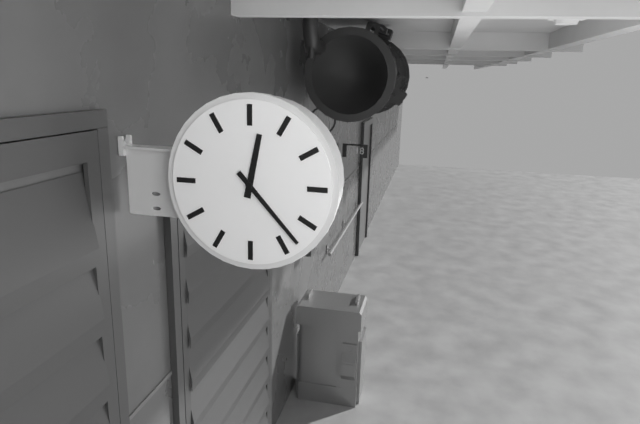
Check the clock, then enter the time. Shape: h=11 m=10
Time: h=12 m=23
